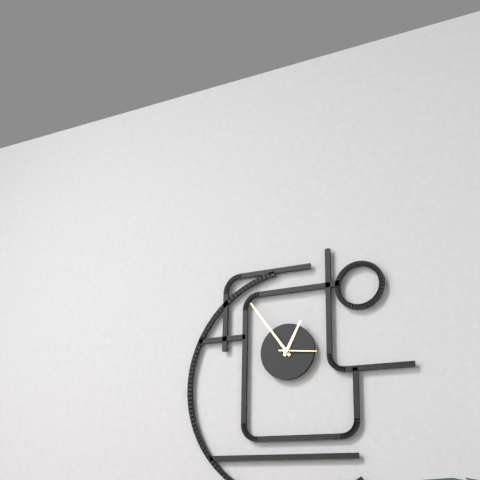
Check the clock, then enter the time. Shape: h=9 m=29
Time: h=12 m=54
